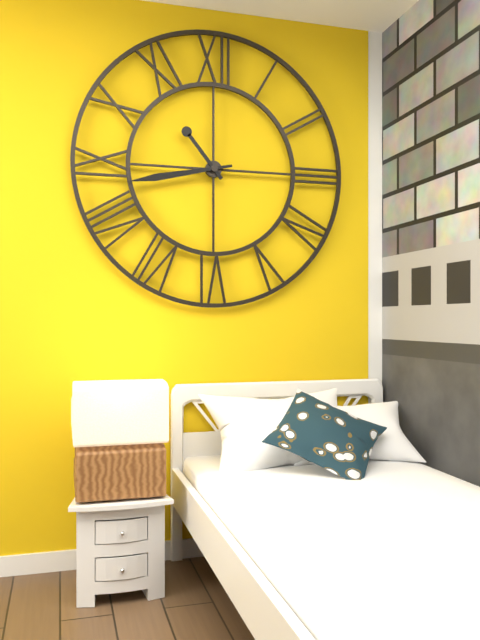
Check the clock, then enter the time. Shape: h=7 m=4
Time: h=10 m=43
